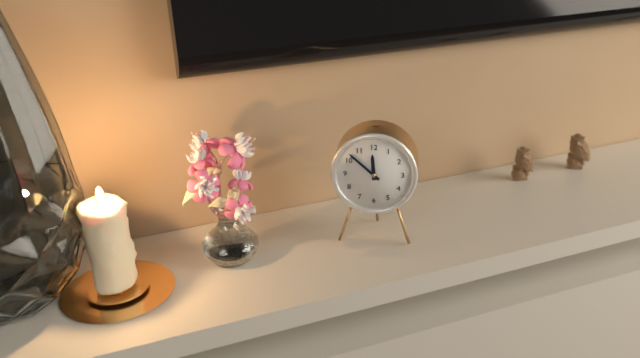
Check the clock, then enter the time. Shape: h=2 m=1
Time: h=11 m=52
